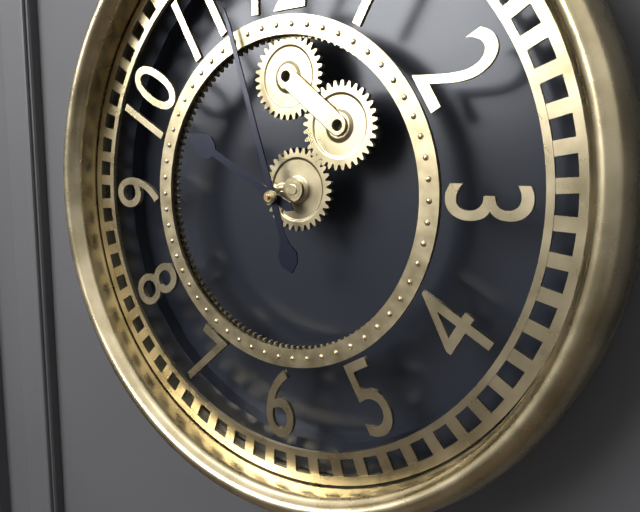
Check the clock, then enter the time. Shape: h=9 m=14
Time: h=9 m=57
